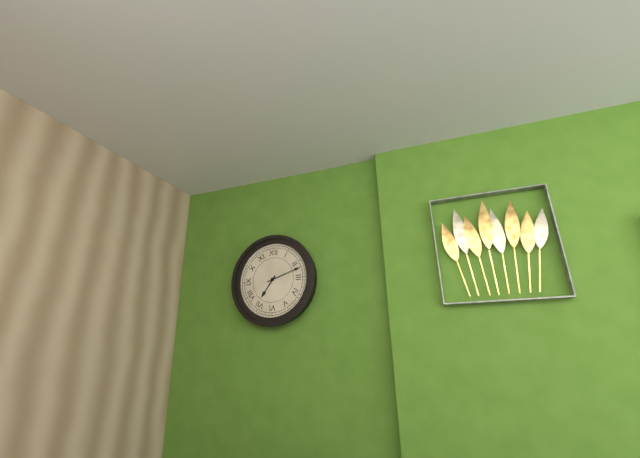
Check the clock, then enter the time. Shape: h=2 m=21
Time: h=7 m=12
